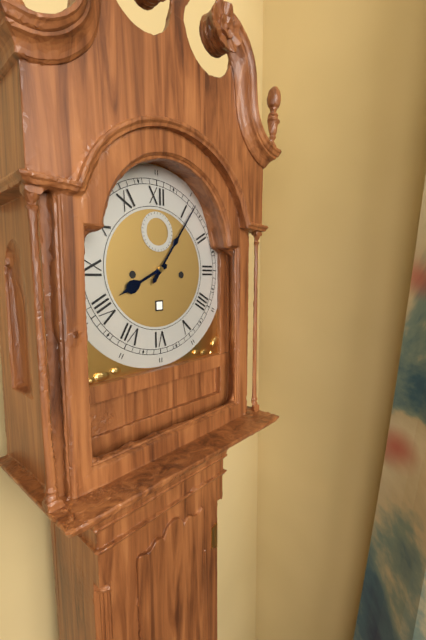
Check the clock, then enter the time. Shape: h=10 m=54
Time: h=8 m=6
